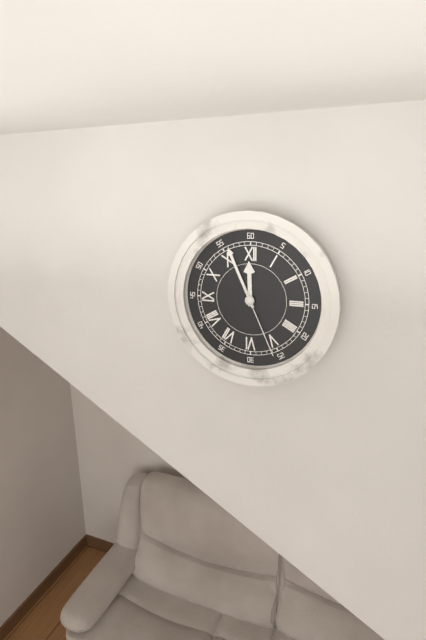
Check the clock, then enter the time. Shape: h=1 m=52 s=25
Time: h=11 m=56 s=26
